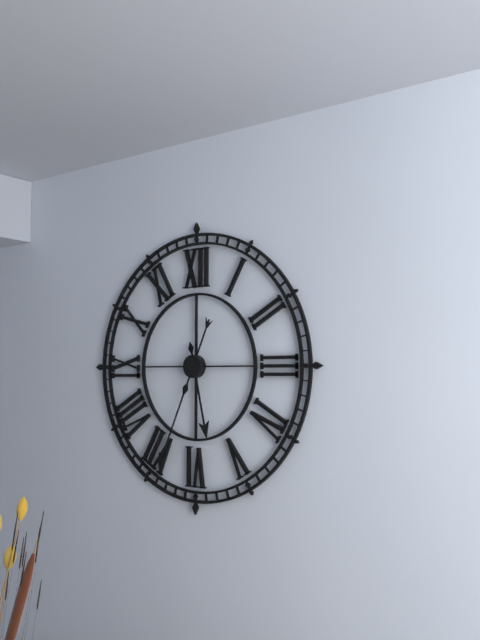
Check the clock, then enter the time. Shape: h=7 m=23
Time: h=5 m=34
